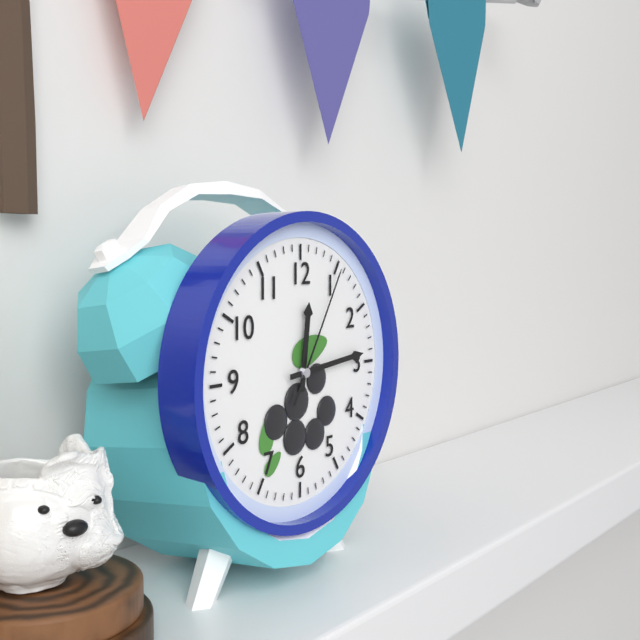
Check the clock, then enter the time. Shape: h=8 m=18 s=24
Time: h=12 m=14 s=5
